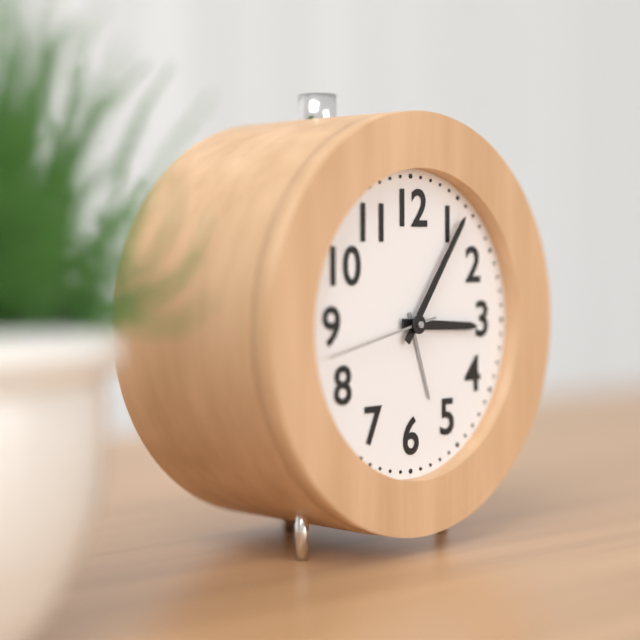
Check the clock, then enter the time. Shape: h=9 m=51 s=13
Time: h=3 m=6 s=43
